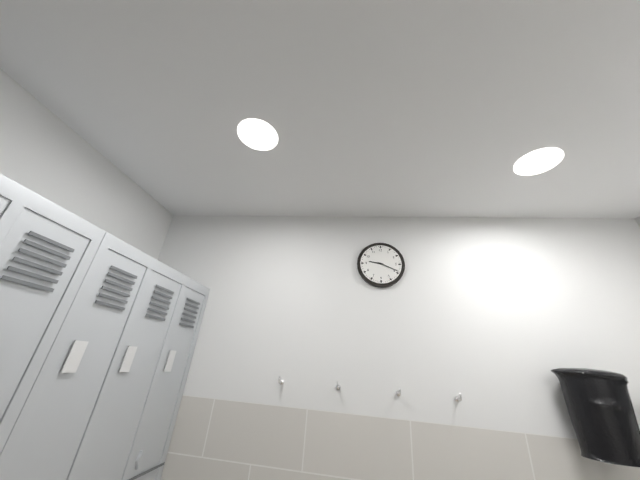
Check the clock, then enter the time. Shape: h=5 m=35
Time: h=9 m=19
